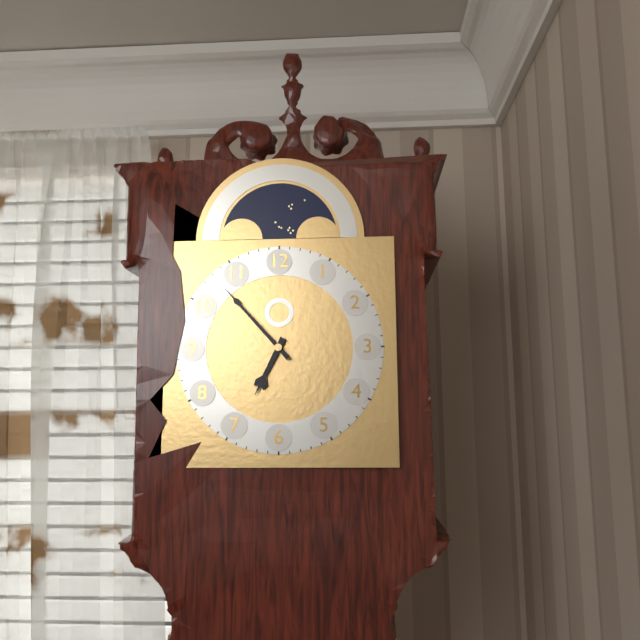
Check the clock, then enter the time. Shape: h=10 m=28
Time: h=6 m=53
